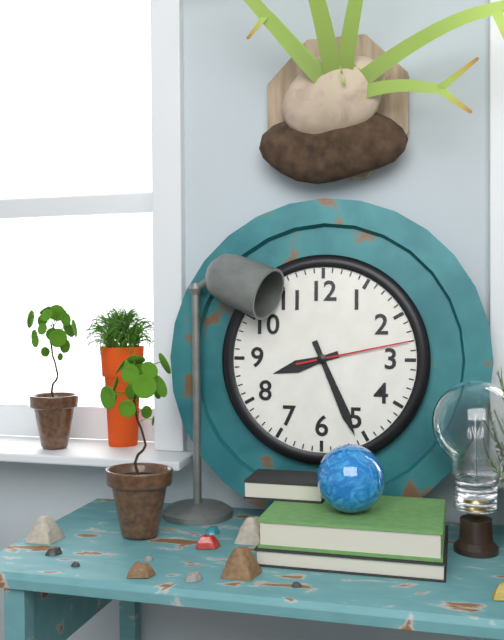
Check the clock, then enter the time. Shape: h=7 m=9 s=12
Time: h=8 m=26 s=13
